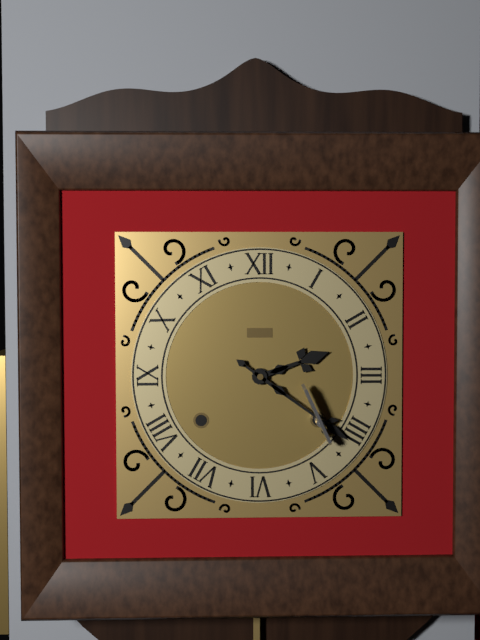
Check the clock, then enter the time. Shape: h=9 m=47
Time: h=2 m=21
